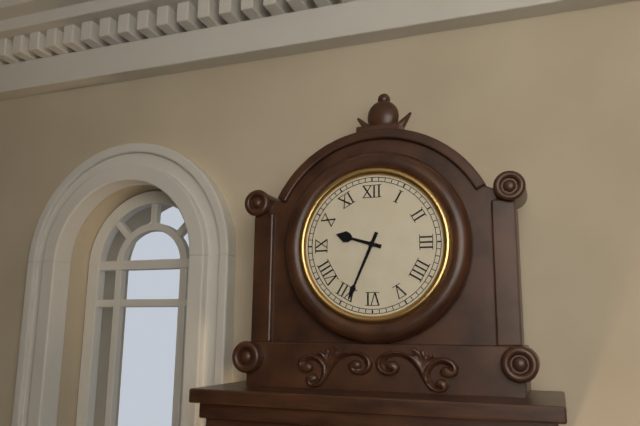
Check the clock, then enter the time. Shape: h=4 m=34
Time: h=9 m=34
